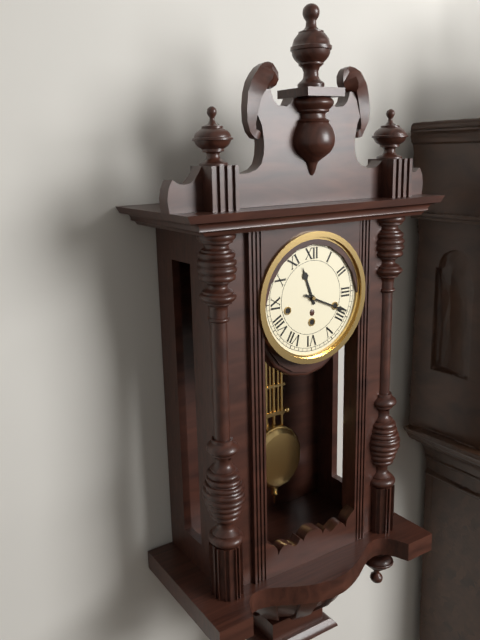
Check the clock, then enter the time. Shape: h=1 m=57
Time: h=11 m=19
